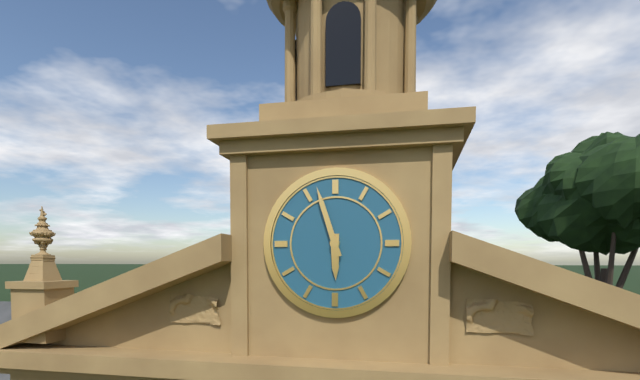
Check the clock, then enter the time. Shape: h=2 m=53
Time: h=5 m=57
